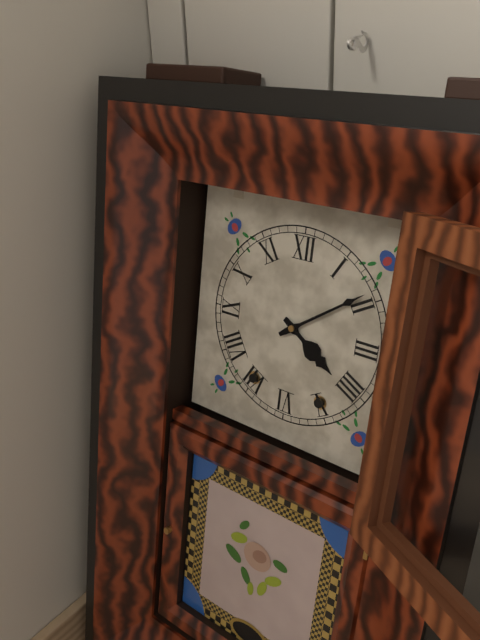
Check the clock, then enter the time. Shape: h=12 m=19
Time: h=4 m=9
